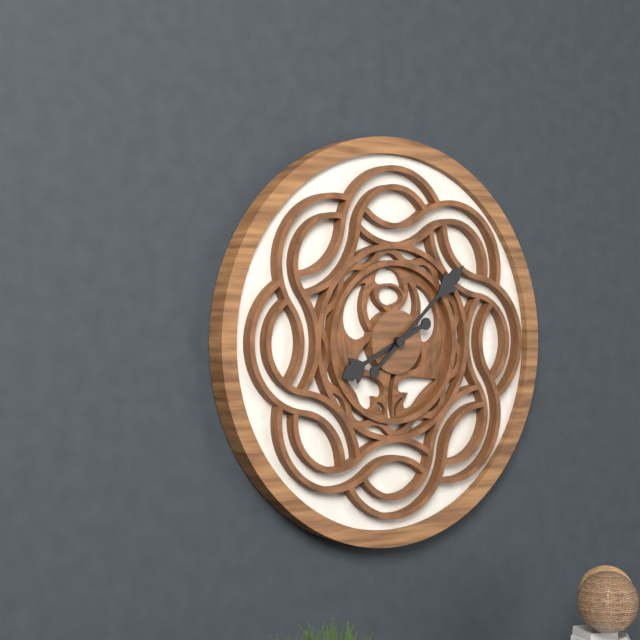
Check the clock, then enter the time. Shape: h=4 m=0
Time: h=8 m=8
